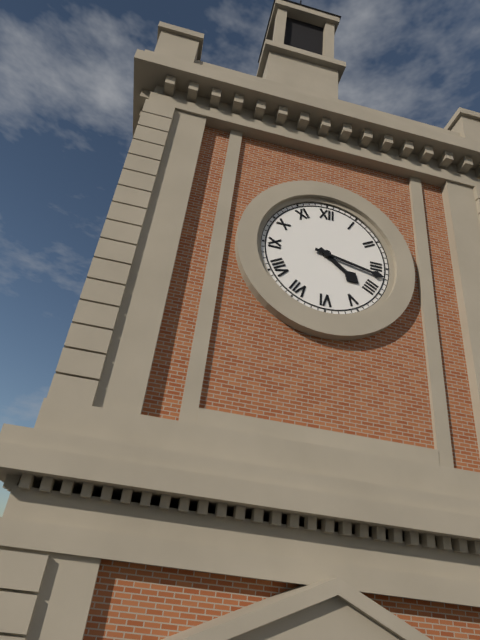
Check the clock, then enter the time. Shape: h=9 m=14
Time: h=4 m=17
